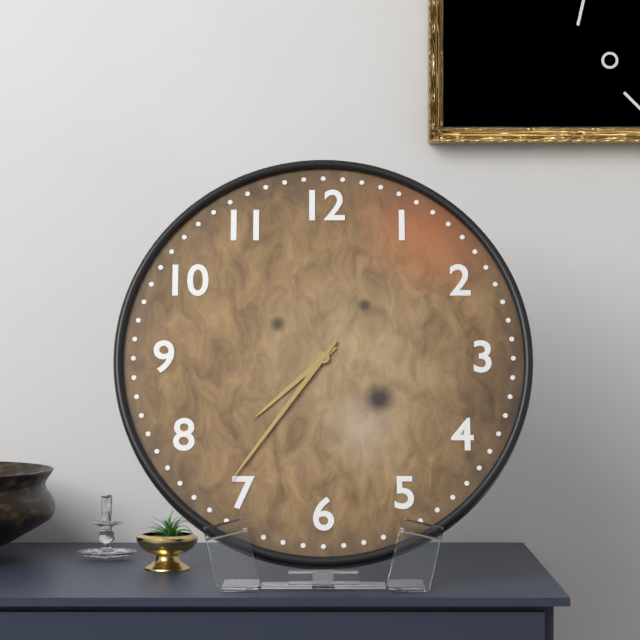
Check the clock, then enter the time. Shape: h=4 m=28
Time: h=7 m=36
